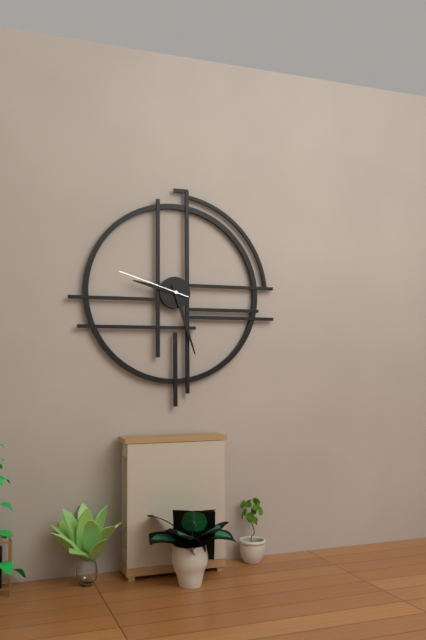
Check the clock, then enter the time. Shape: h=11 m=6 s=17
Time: h=9 m=27 s=48
